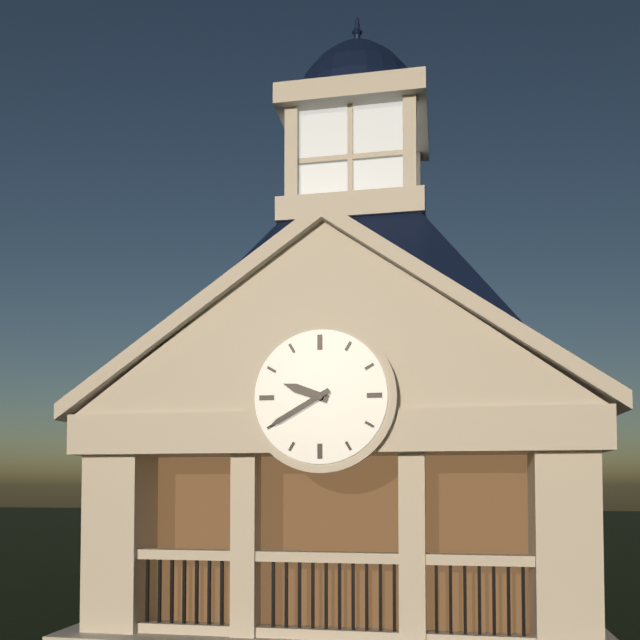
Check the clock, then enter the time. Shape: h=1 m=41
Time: h=9 m=40
